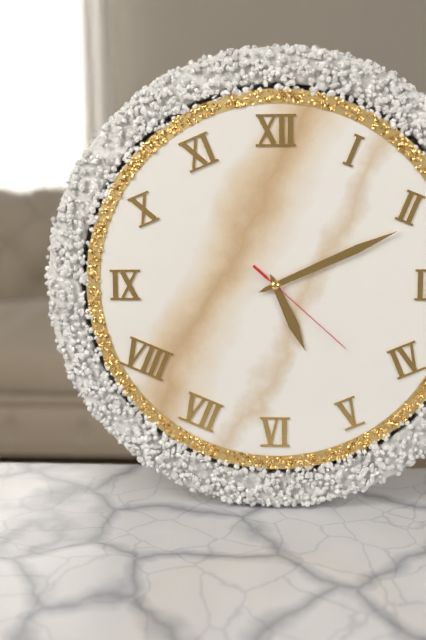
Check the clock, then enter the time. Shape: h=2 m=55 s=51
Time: h=5 m=11 s=22
